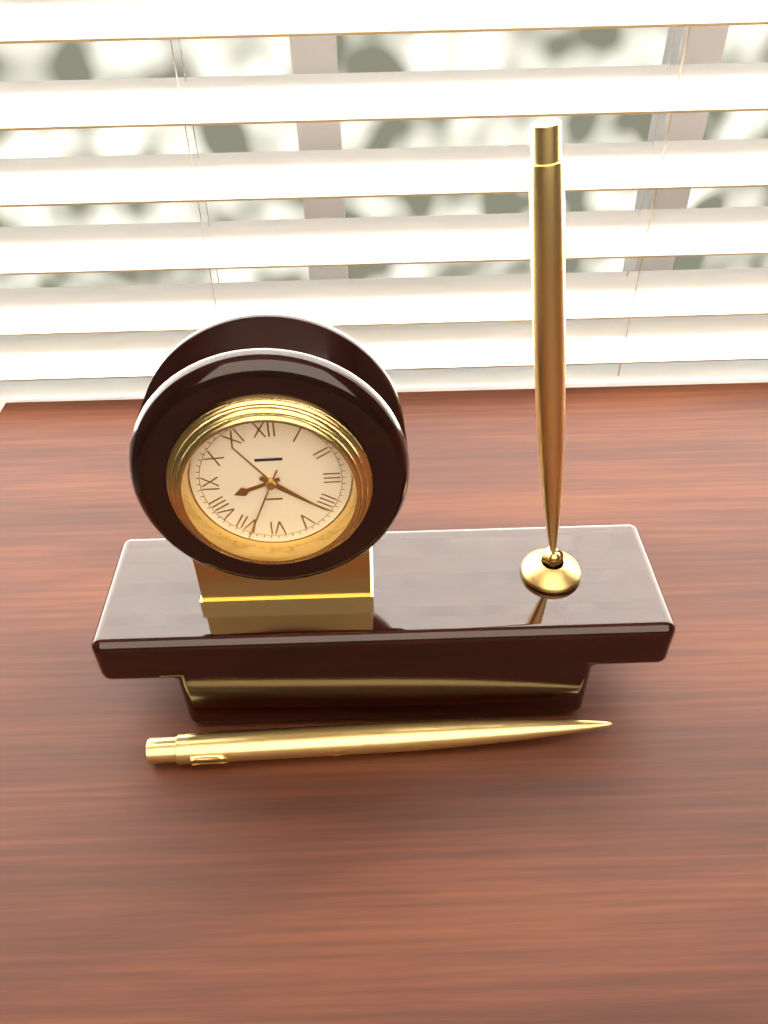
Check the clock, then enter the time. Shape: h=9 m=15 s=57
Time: h=8 m=21 s=34
